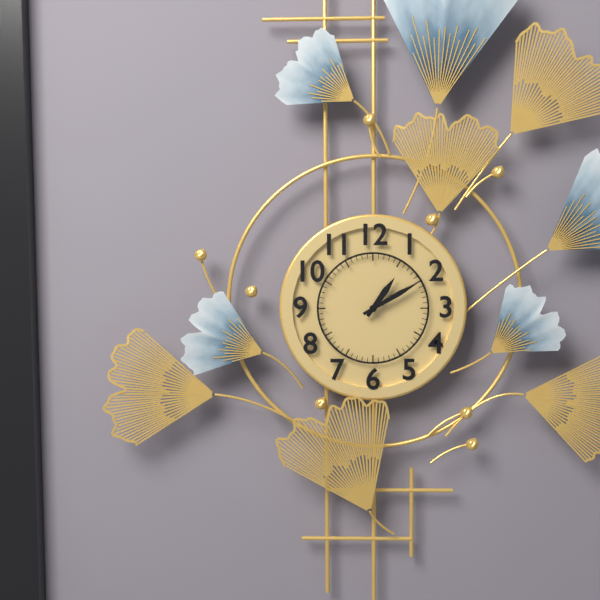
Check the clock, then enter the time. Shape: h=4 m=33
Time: h=1 m=10
